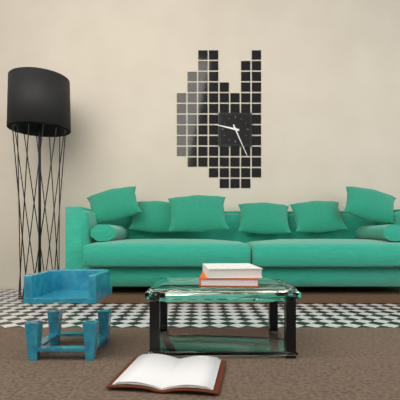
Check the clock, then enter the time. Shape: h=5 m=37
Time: h=9 m=26
